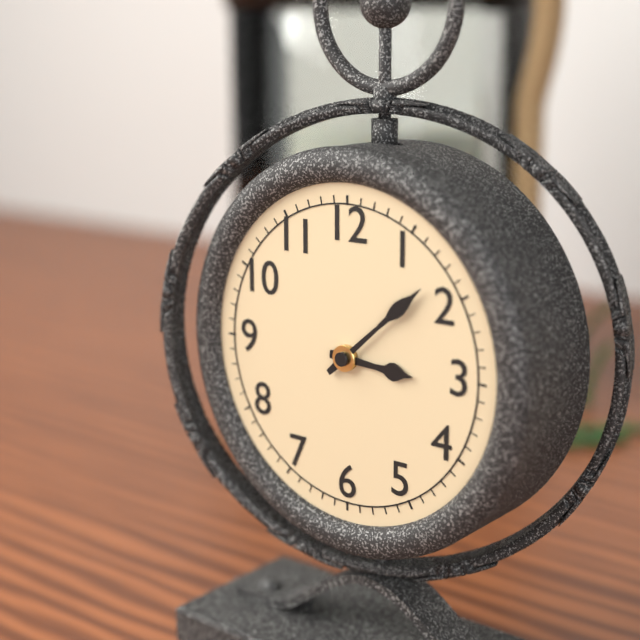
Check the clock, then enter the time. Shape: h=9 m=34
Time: h=3 m=8
